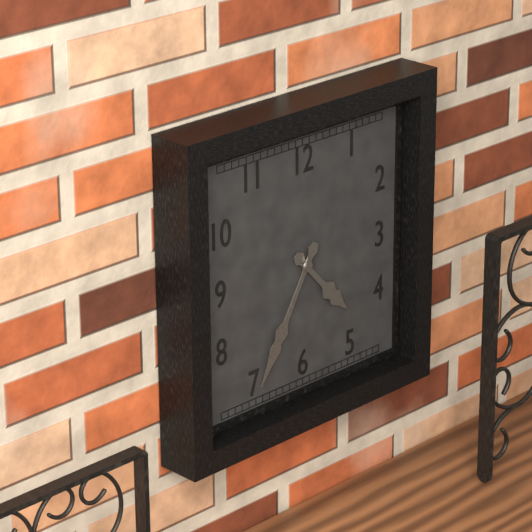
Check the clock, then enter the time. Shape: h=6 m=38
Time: h=4 m=35
